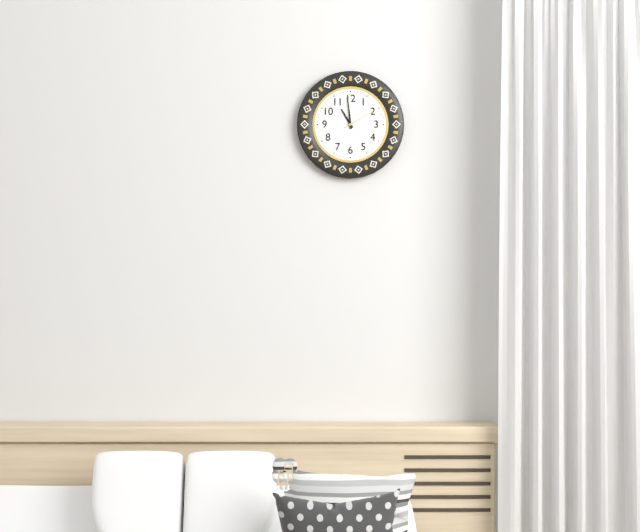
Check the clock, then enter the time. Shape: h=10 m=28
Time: h=10 m=59
